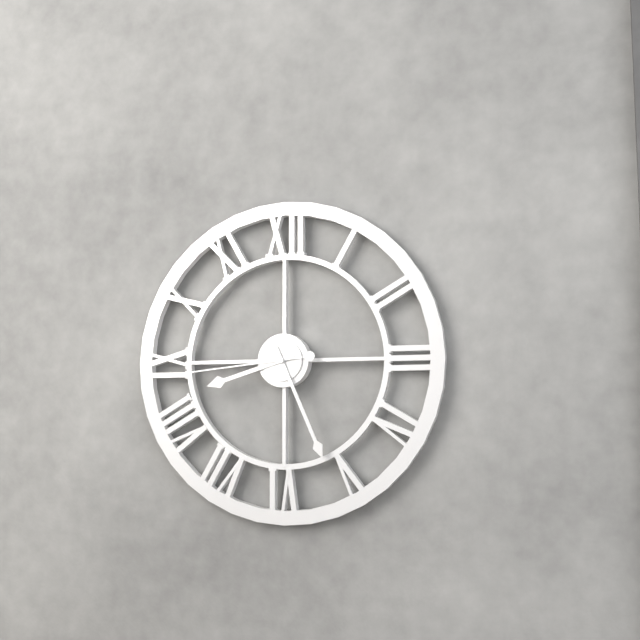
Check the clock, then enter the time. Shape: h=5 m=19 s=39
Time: h=8 m=26 s=44
